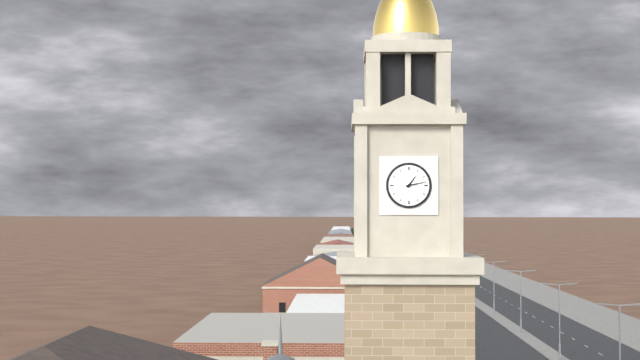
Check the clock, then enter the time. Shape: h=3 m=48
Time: h=1 m=13
